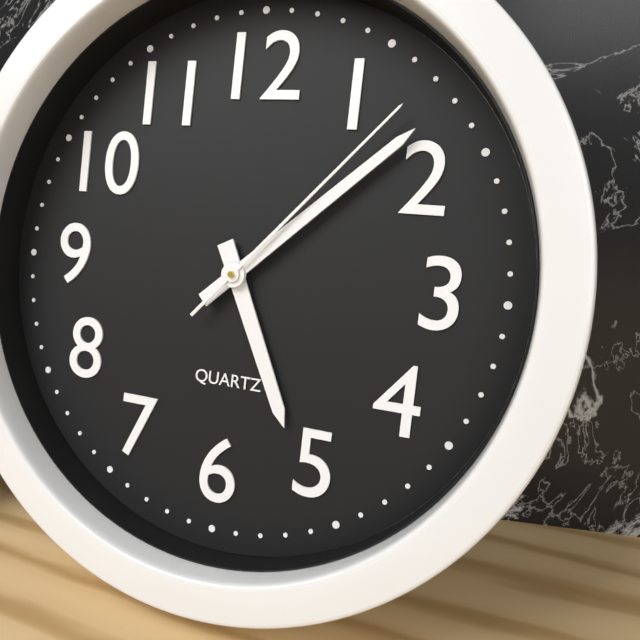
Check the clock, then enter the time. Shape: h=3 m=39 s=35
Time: h=5 m=8 s=7
